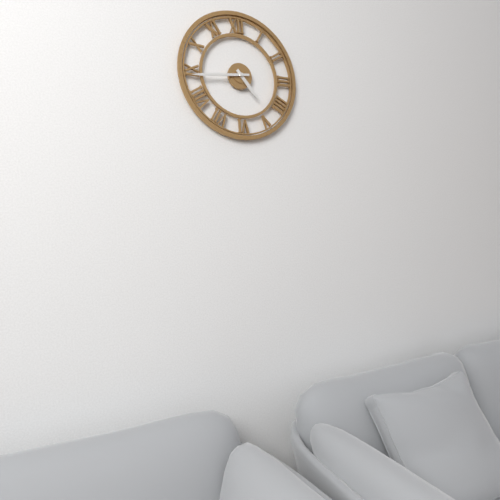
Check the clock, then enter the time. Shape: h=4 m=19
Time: h=4 m=44
